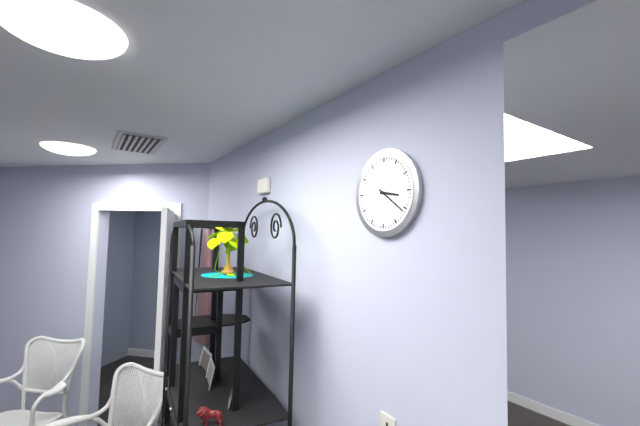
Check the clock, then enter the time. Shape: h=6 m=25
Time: h=3 m=21
